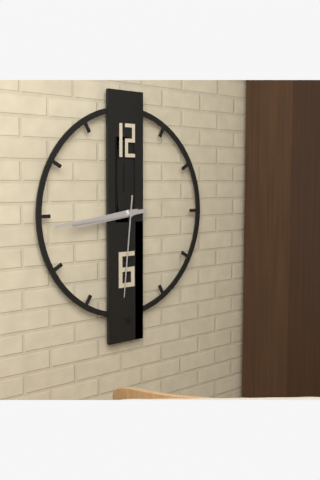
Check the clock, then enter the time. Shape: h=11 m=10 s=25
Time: h=8 m=44 s=31
